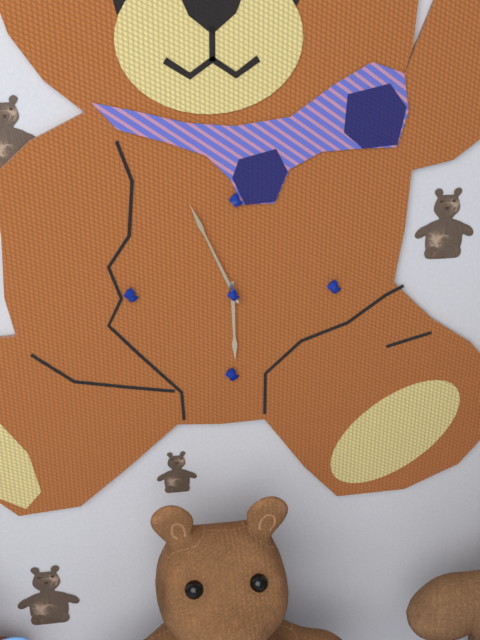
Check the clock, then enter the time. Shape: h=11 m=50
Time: h=5 m=56
